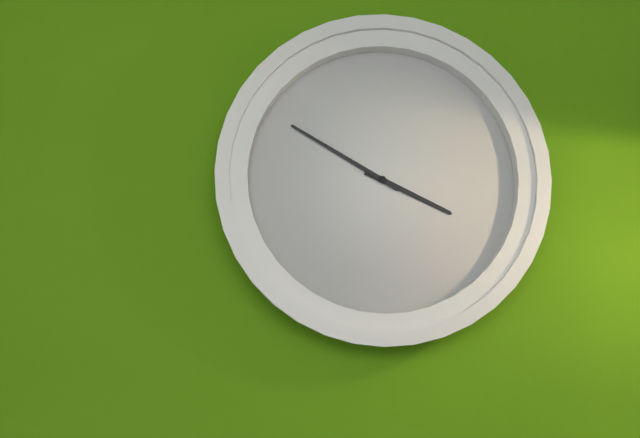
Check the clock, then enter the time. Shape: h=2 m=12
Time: h=3 m=50
